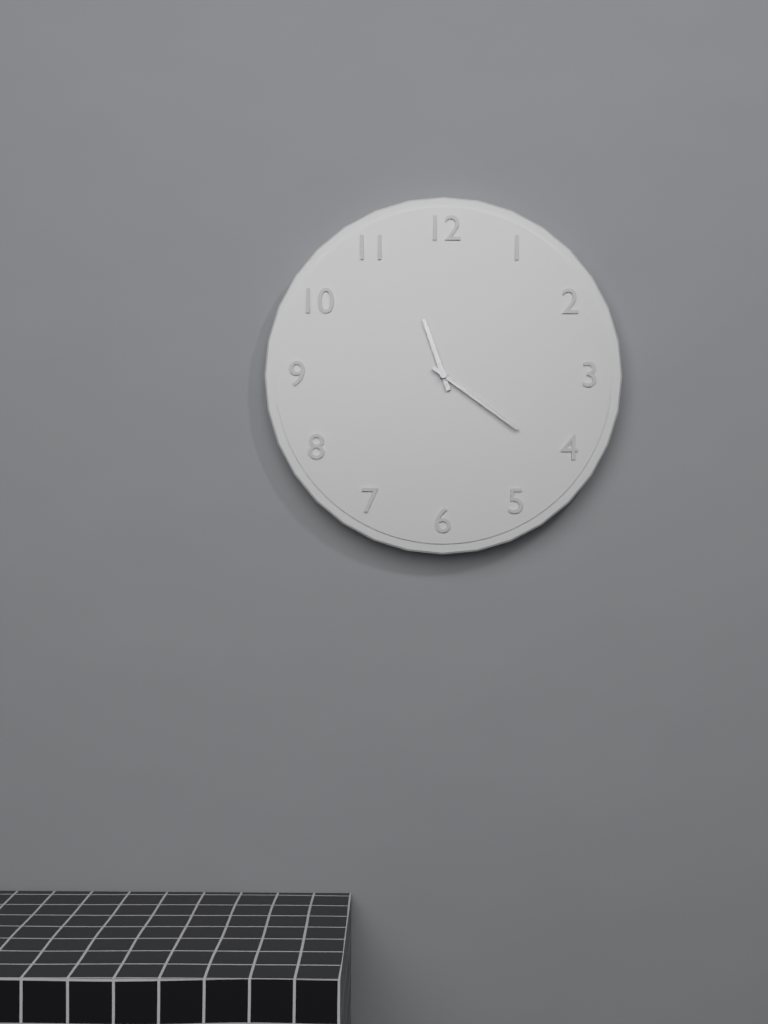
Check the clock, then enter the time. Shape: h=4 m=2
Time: h=11 m=21
